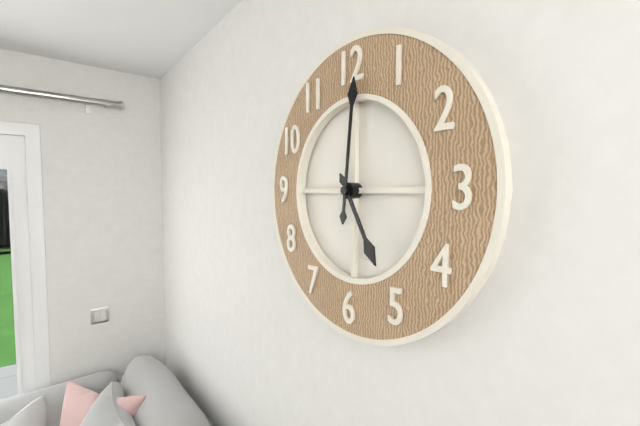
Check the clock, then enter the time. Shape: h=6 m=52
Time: h=5 m=1
